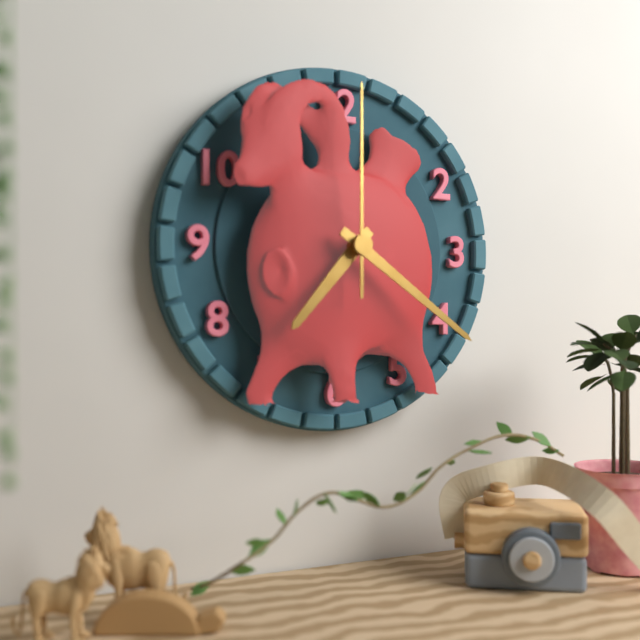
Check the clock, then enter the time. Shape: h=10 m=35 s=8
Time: h=7 m=21 s=0
